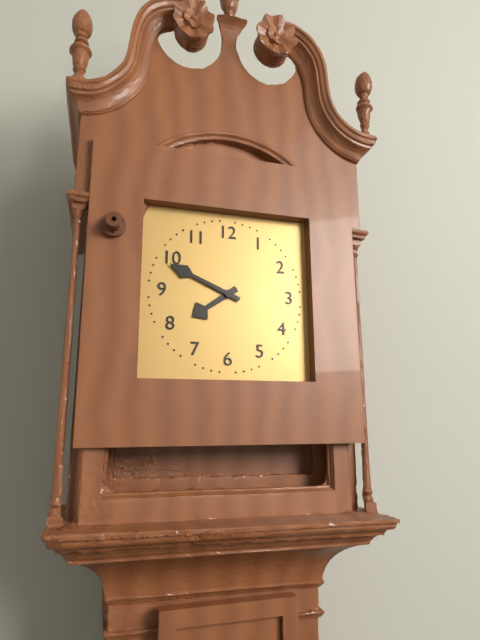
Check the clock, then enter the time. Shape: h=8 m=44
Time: h=7 m=49
